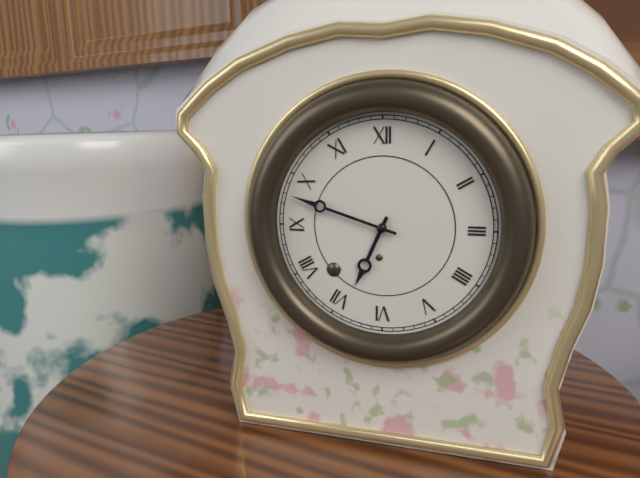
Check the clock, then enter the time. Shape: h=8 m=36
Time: h=6 m=48
